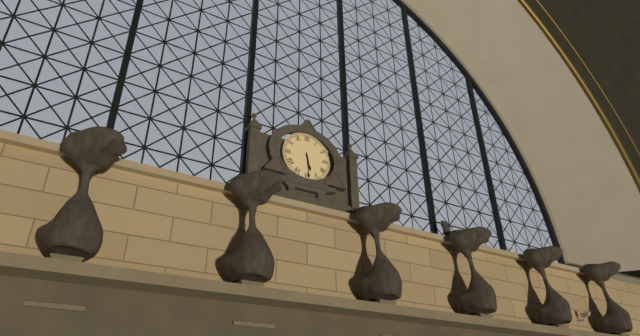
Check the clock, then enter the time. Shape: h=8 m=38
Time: h=5 m=29
